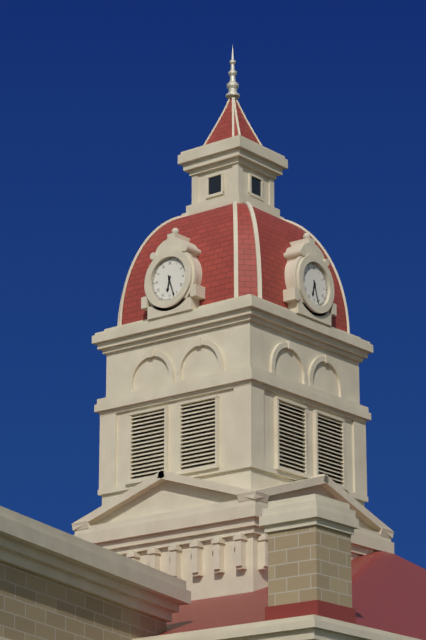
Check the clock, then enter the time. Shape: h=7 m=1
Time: h=6 m=27
